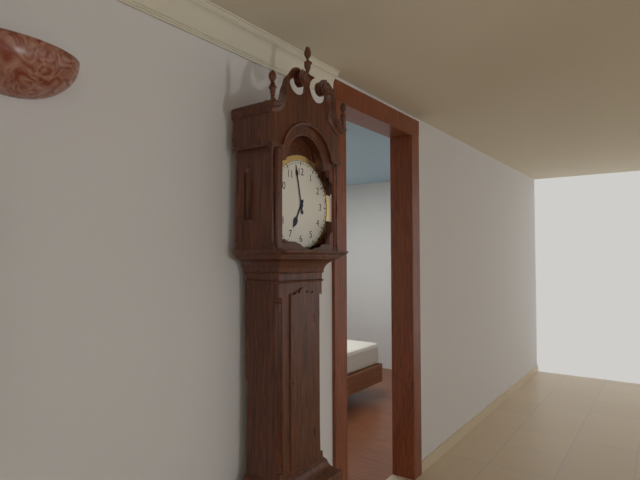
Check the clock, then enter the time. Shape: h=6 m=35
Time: h=6 m=58
